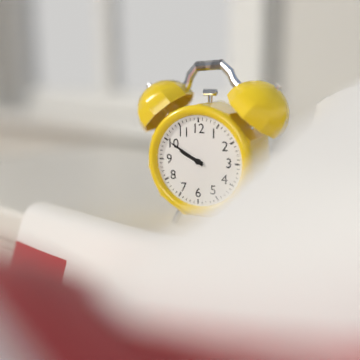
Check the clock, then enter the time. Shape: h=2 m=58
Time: h=9 m=50
